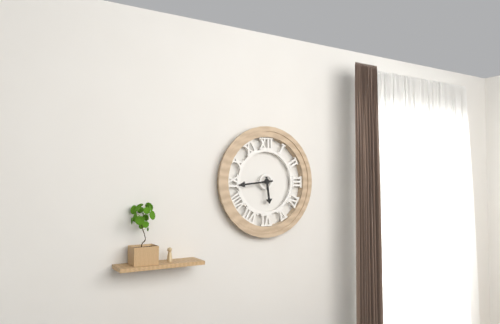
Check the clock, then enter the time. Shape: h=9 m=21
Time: h=5 m=44
